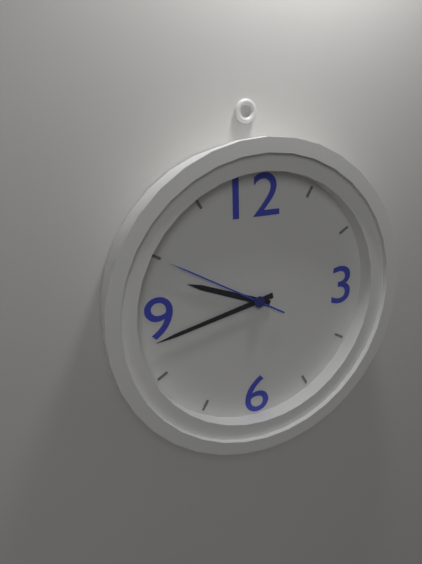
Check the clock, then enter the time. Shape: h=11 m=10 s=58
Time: h=9 m=43 s=50
